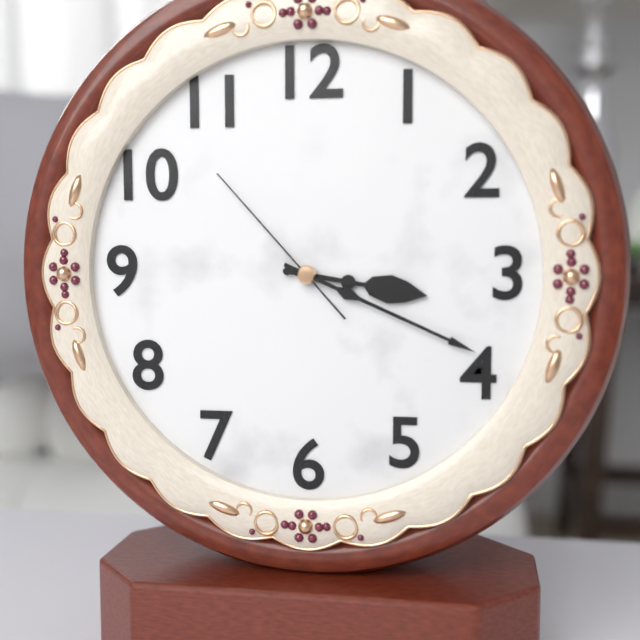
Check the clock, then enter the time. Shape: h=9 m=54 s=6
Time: h=3 m=19 s=53
